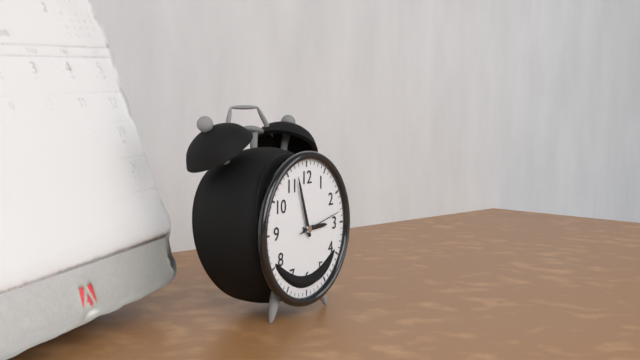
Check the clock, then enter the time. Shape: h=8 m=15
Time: h=2 m=57
